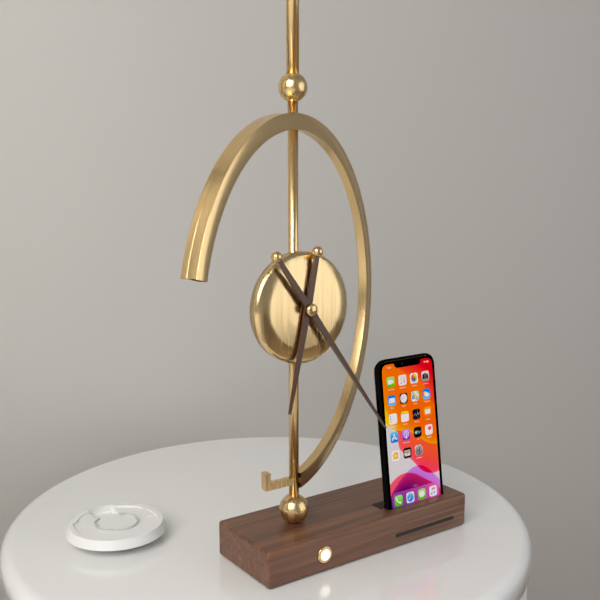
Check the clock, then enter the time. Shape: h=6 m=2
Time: h=6 m=24
